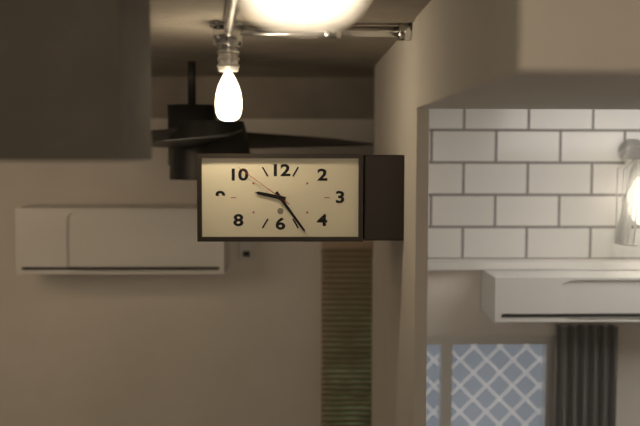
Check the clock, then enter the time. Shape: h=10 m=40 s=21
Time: h=9 m=24 s=51
